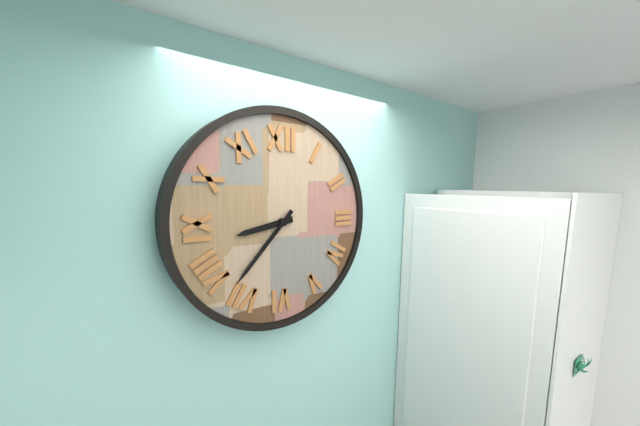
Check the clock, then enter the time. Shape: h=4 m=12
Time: h=8 m=37
